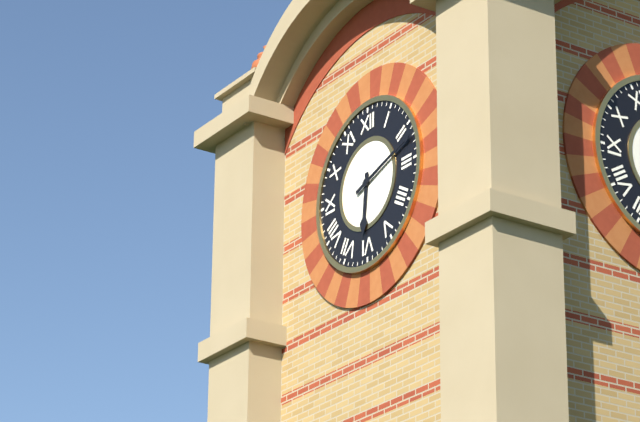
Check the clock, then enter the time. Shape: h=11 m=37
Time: h=6 m=12
